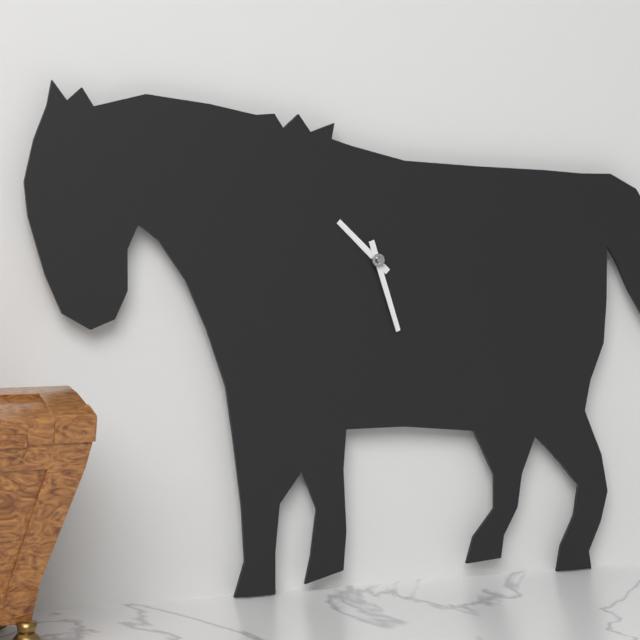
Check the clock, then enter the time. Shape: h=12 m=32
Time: h=10 m=27
